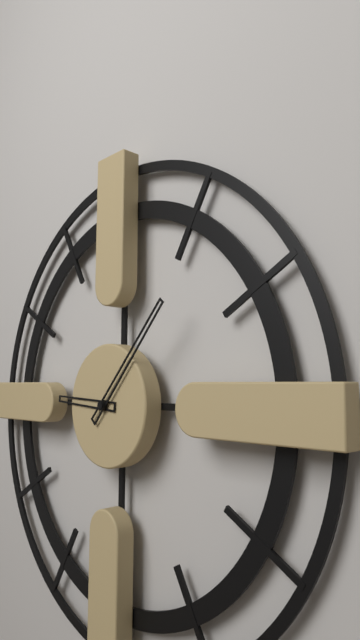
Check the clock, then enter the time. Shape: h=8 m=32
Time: h=9 m=7
